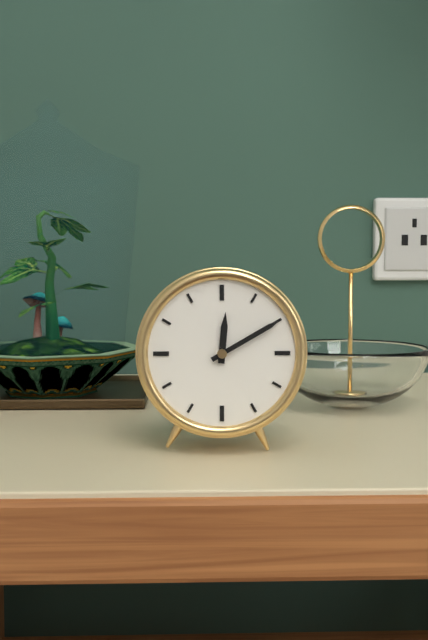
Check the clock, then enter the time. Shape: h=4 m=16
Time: h=12 m=10
